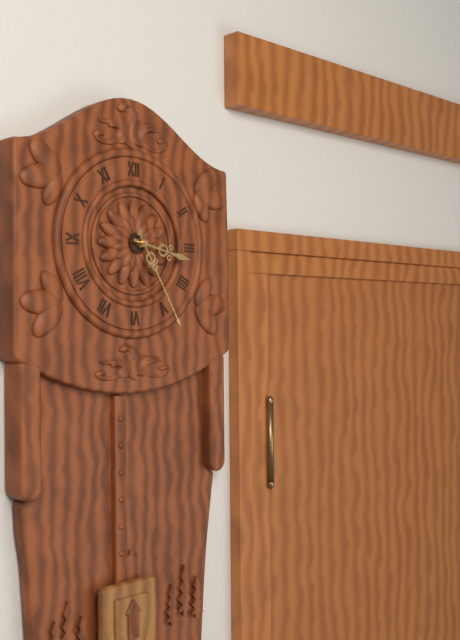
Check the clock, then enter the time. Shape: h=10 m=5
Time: h=3 m=25
